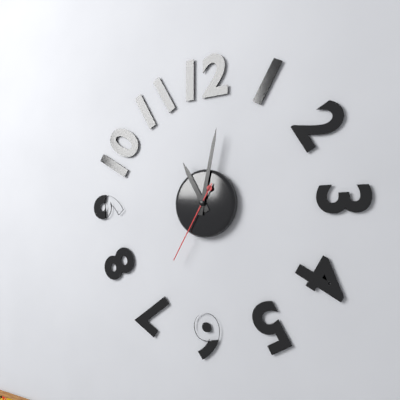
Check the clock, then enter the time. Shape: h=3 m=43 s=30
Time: h=11 m=2 s=35
